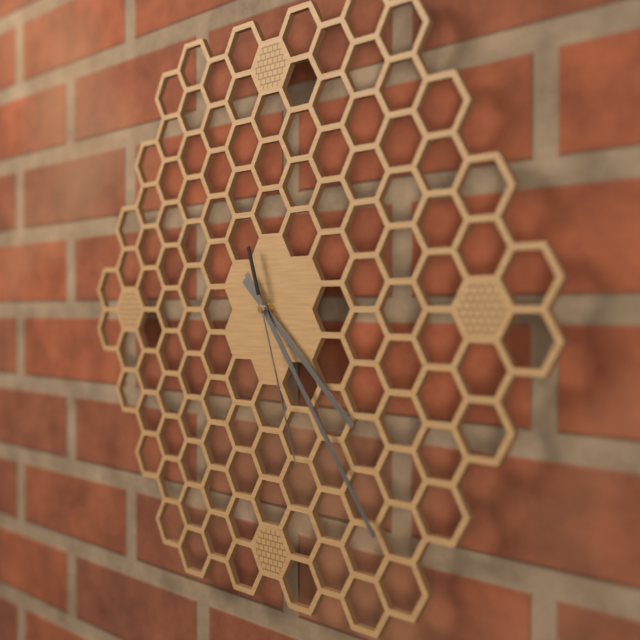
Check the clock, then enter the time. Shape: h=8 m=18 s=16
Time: h=4 m=24 s=27
